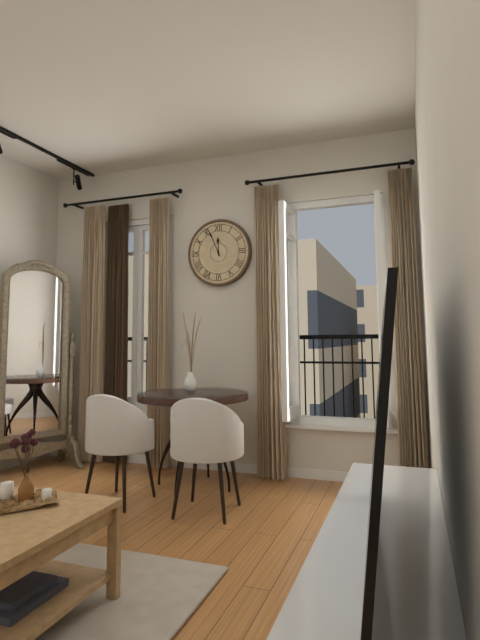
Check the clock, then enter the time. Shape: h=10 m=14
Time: h=11 m=56
